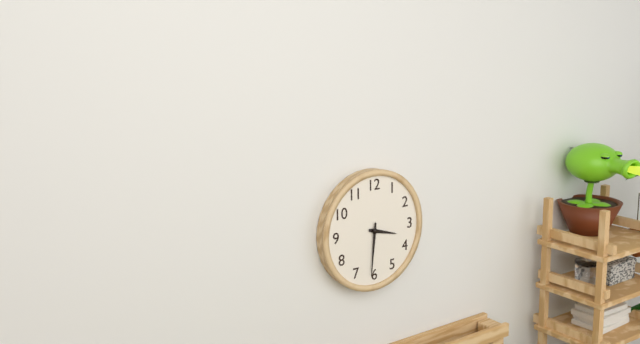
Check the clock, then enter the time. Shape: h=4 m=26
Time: h=3 m=31
